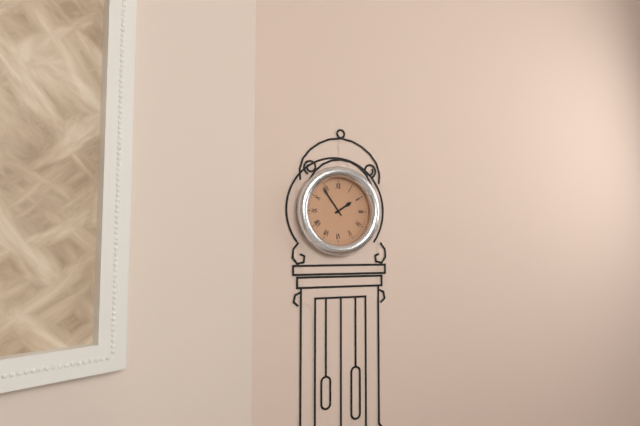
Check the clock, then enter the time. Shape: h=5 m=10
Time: h=1 m=54
